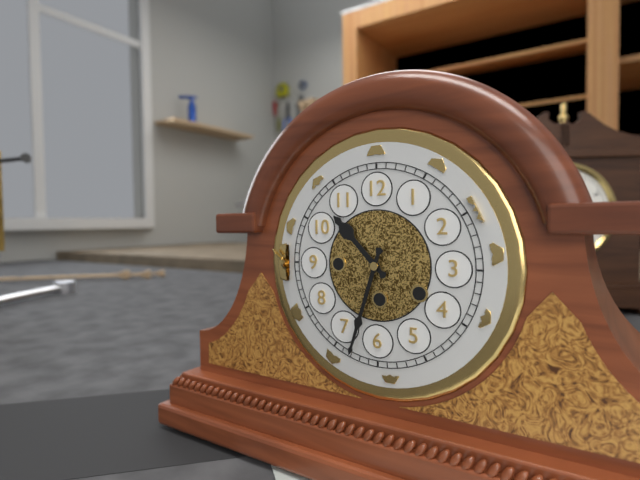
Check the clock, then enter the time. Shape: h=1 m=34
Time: h=10 m=33
